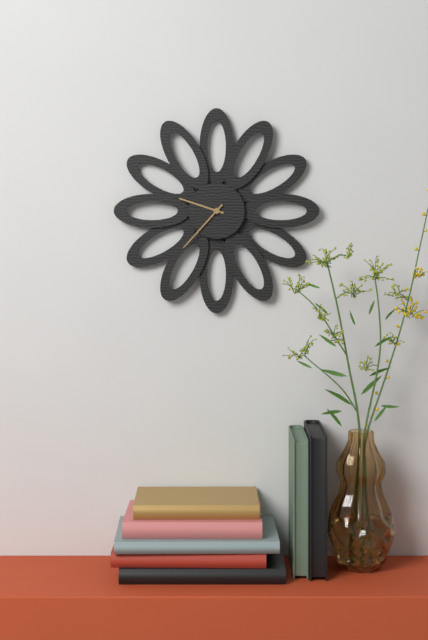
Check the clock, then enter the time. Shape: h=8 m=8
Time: h=9 m=37
